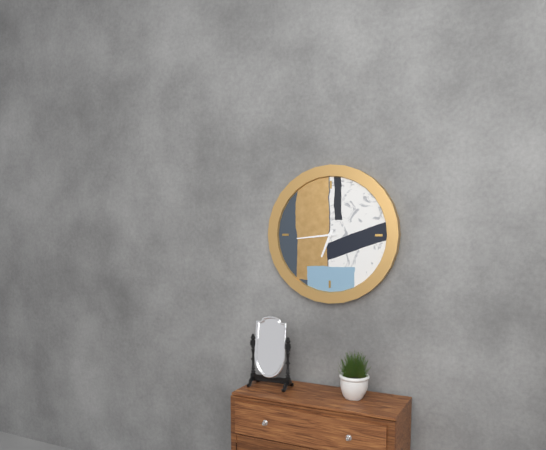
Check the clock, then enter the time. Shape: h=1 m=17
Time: h=6 m=44
